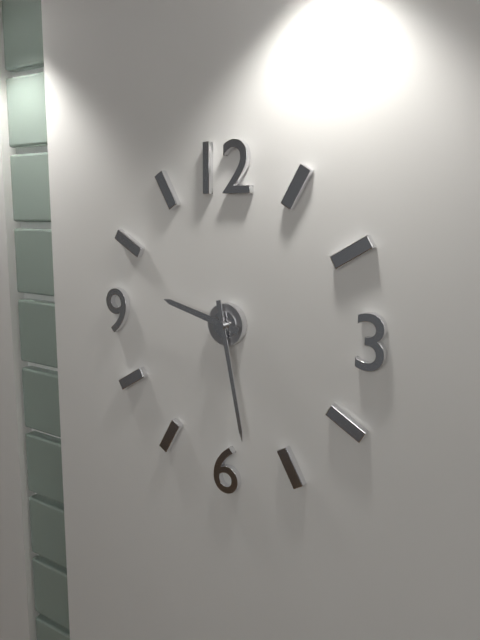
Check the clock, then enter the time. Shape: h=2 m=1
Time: h=9 m=28
